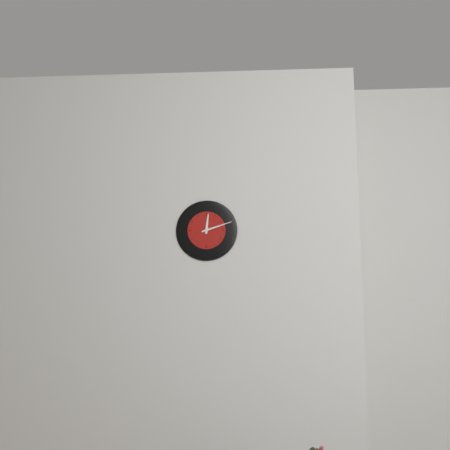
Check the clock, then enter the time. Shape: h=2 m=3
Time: h=12 m=12
